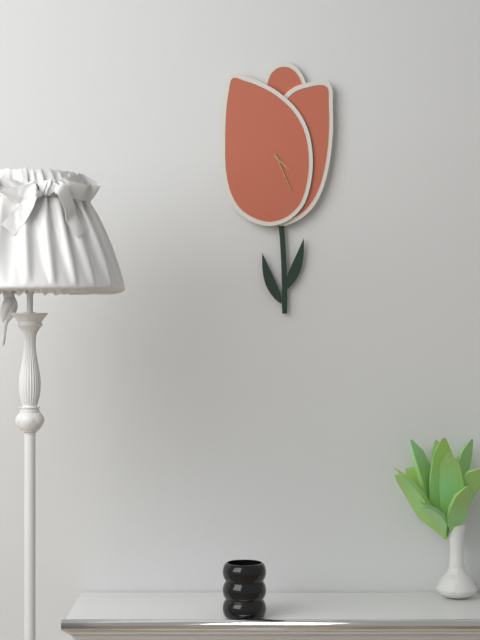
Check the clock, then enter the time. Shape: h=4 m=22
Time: h=4 m=26
